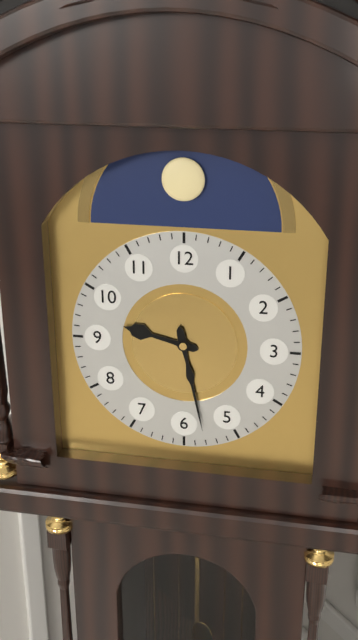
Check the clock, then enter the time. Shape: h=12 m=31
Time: h=9 m=28
